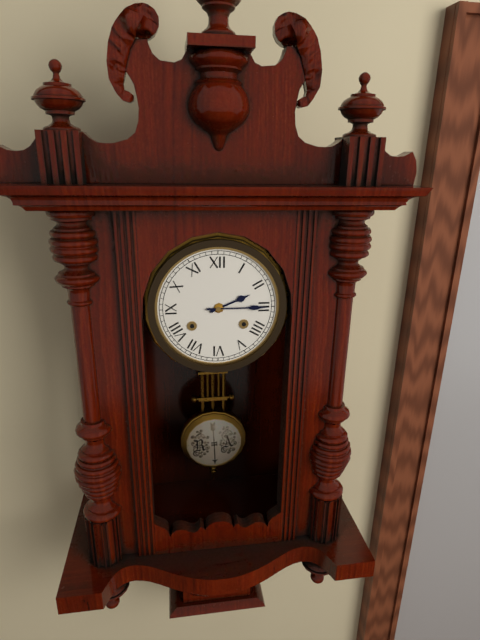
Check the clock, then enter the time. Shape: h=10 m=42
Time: h=2 m=15
